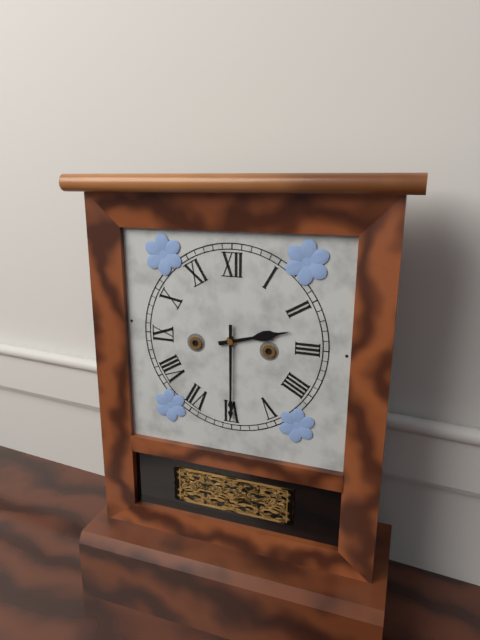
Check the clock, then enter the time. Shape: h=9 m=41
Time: h=2 m=30
